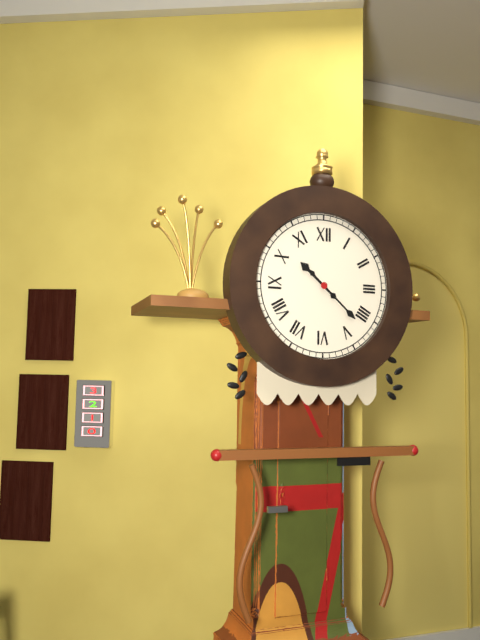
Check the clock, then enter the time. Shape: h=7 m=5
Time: h=10 m=22
